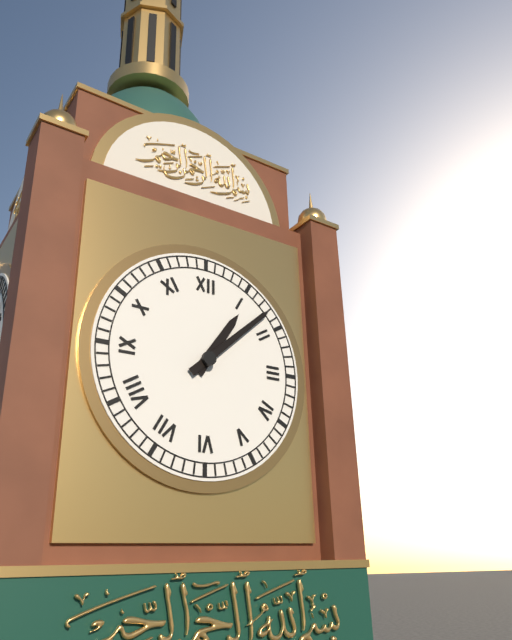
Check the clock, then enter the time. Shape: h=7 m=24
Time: h=1 m=8
